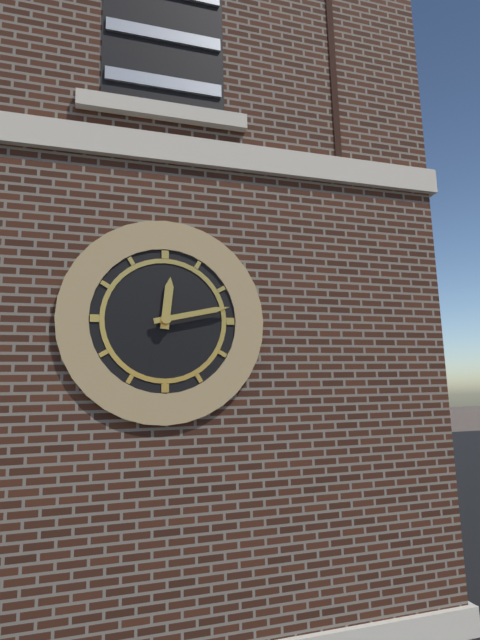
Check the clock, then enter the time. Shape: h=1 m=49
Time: h=12 m=13
